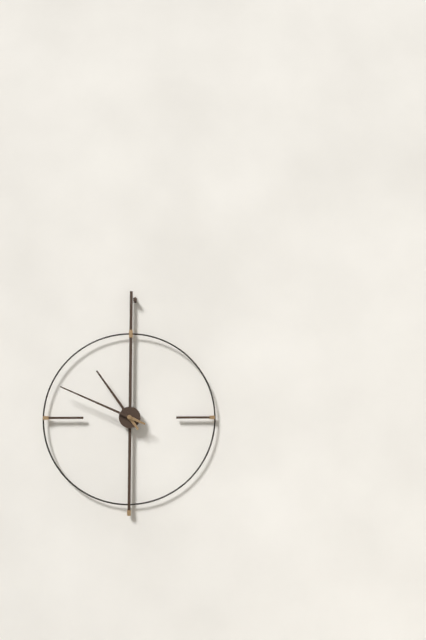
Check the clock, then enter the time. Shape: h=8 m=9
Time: h=10 m=49
